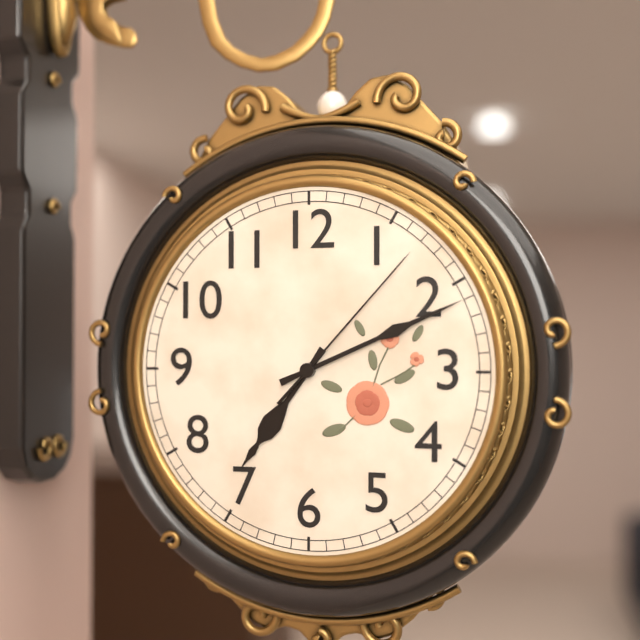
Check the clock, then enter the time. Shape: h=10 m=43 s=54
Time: h=7 m=11 s=7
